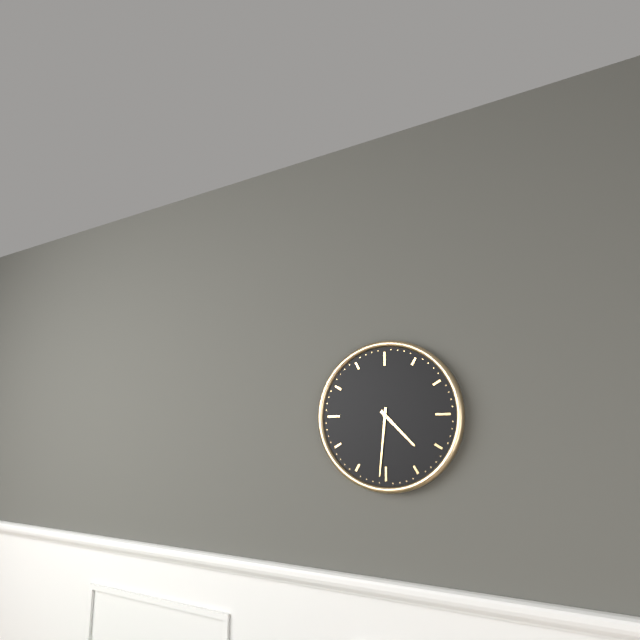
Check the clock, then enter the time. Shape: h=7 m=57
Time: h=4 m=31
